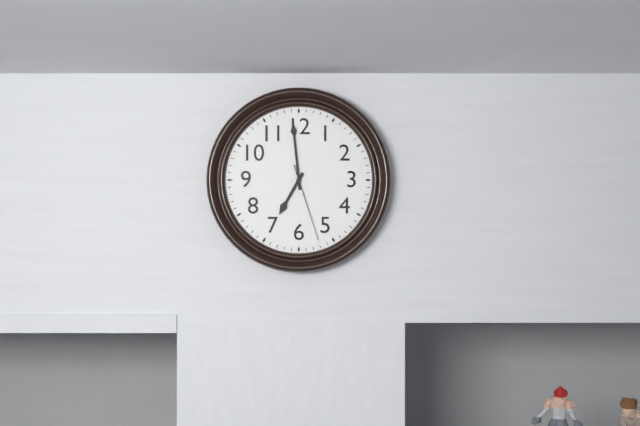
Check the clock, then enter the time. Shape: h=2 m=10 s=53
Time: h=6 m=59 s=27
